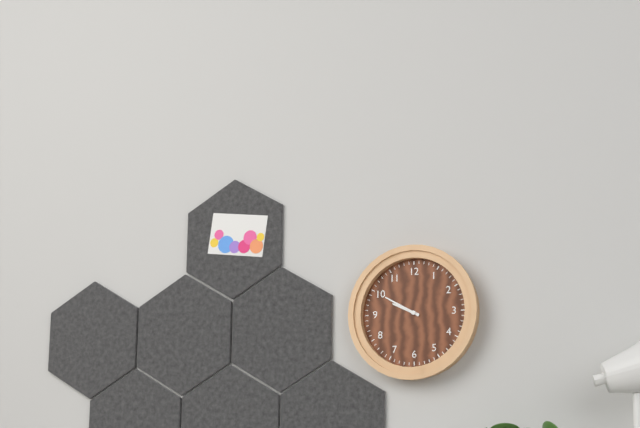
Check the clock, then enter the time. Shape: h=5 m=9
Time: h=9 m=50
